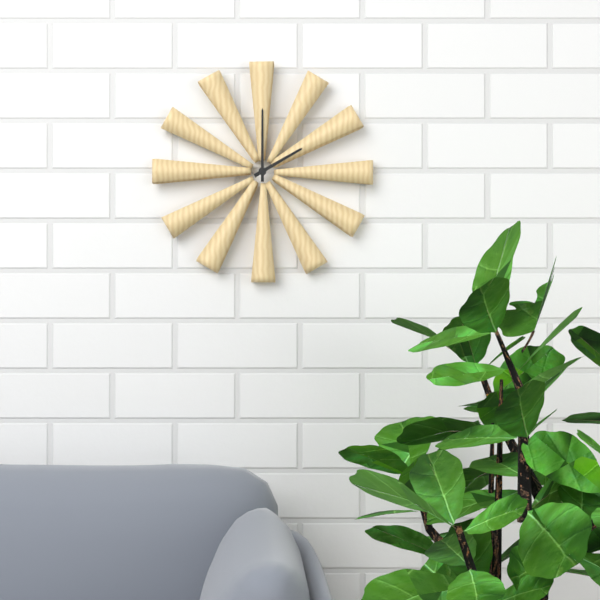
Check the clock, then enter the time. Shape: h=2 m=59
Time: h=2 m=0
